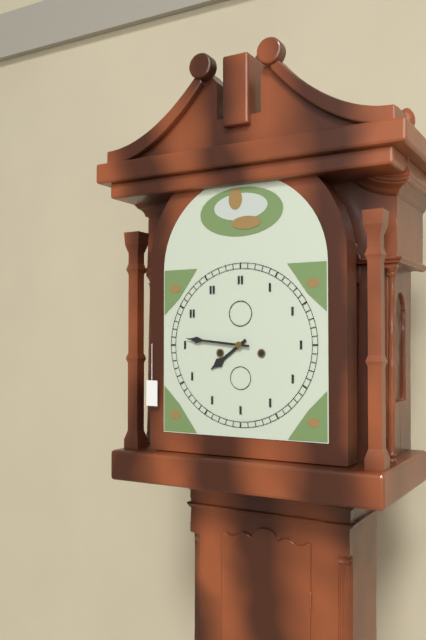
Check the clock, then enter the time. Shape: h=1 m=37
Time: h=7 m=46
